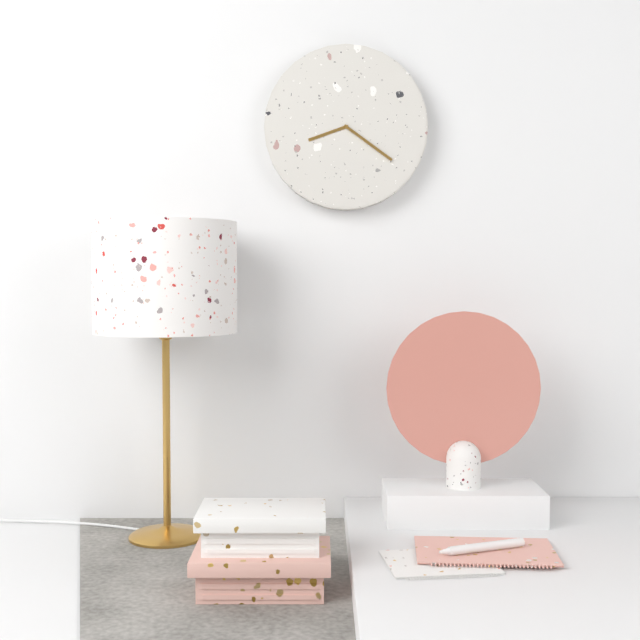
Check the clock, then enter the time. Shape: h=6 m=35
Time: h=8 m=21
